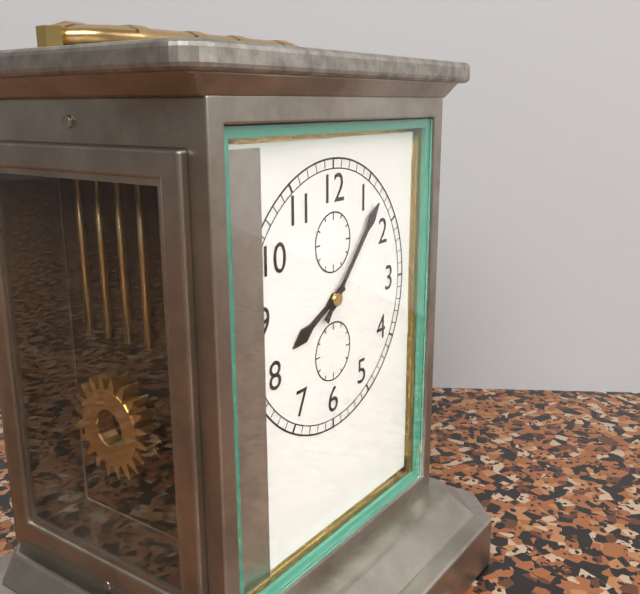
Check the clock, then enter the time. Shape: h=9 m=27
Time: h=8 m=7
